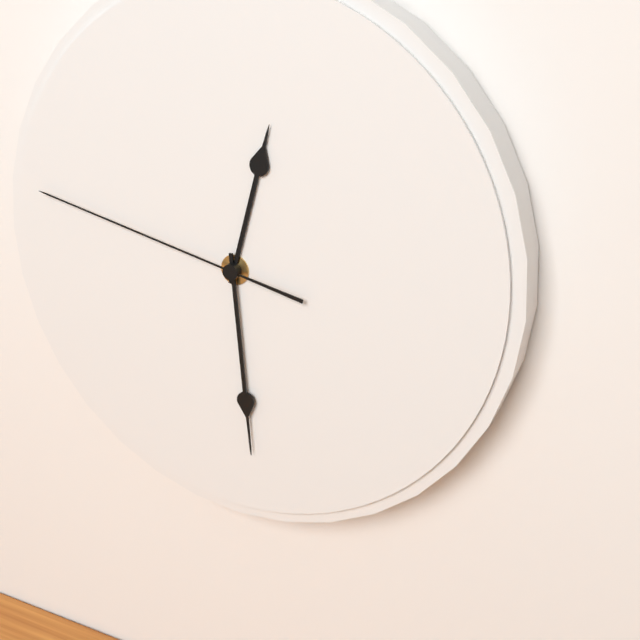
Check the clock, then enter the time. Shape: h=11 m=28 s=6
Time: h=12 m=29 s=47
